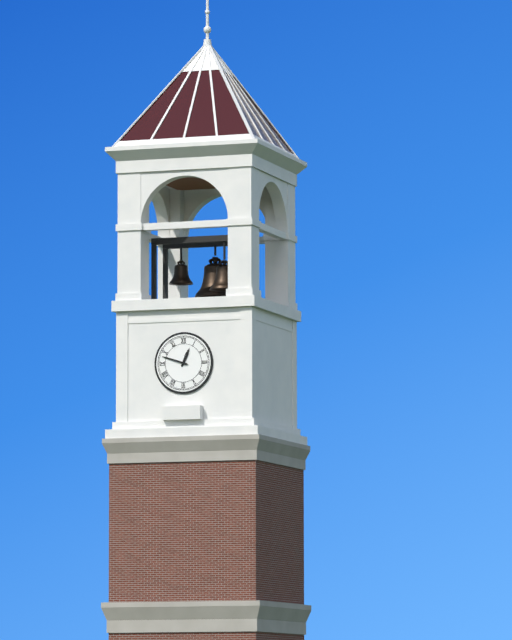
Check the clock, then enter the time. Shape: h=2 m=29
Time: h=12 m=48
